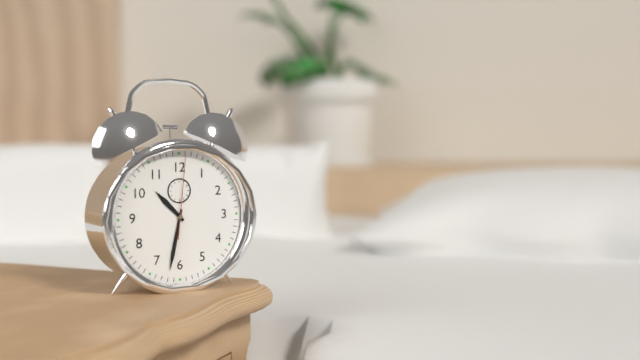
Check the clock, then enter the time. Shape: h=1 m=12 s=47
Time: h=10 m=32 s=1
